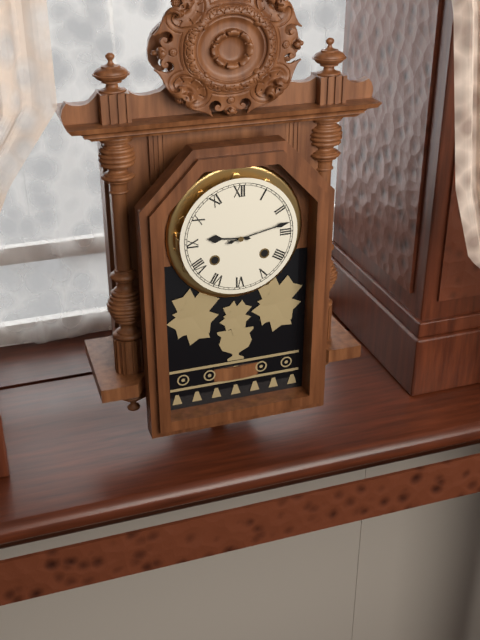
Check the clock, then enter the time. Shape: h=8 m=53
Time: h=9 m=13
